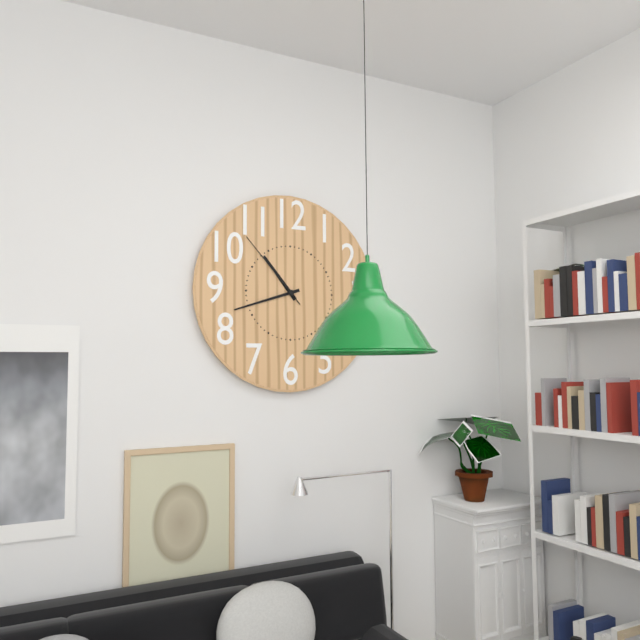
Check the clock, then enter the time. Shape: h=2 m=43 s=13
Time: h=10 m=42 s=53
